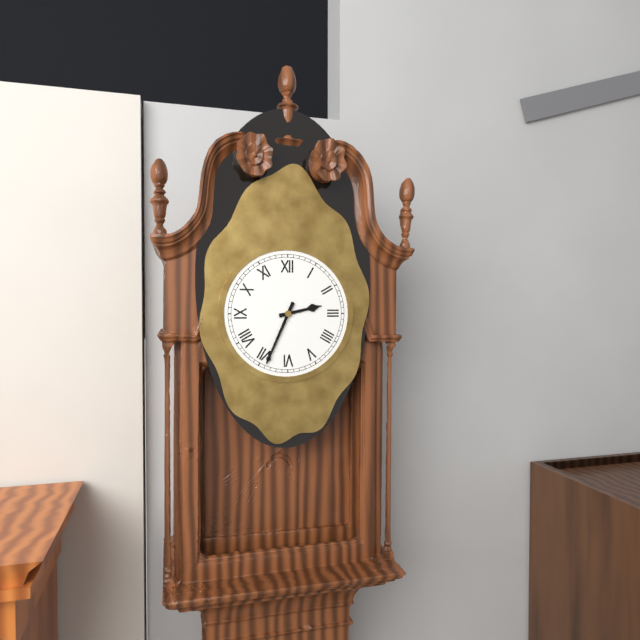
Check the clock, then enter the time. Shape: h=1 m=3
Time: h=2 m=34
